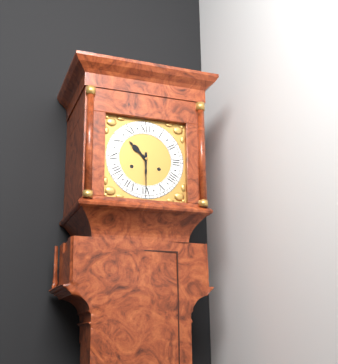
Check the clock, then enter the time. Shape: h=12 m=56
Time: h=10 m=30
